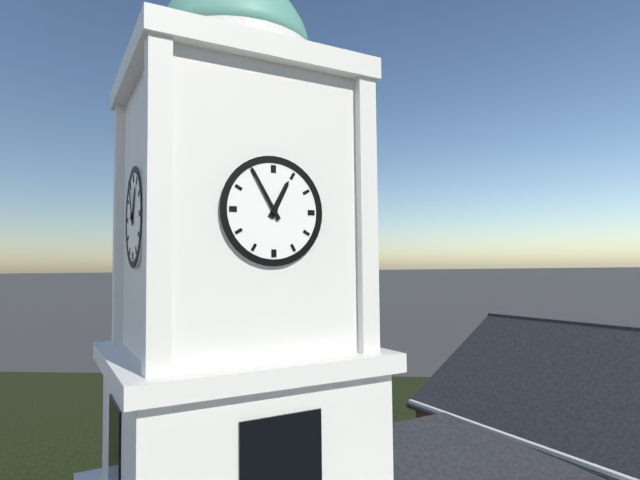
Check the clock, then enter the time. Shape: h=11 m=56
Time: h=12 m=55
